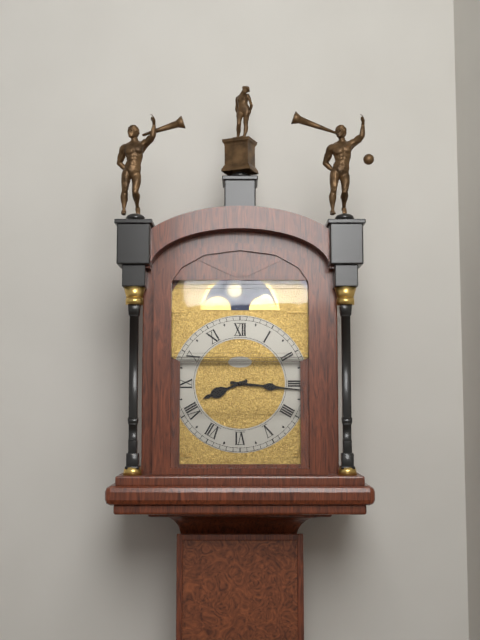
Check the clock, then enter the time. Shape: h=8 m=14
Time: h=8 m=16
